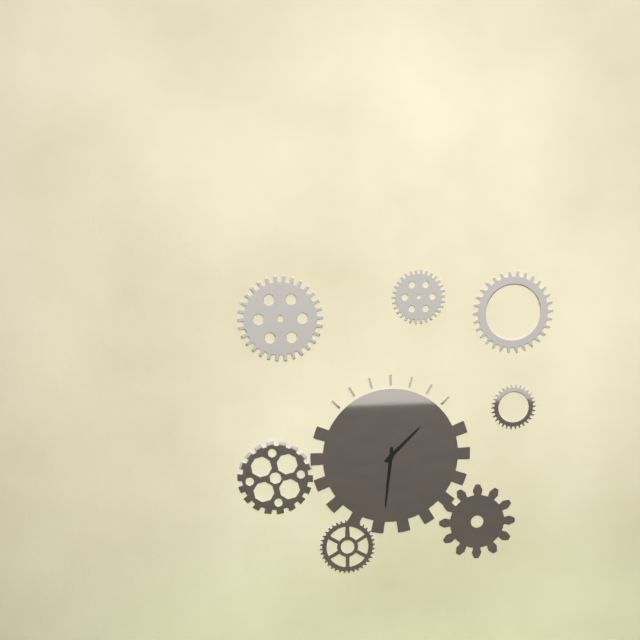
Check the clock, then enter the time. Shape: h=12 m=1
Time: h=1 m=31
